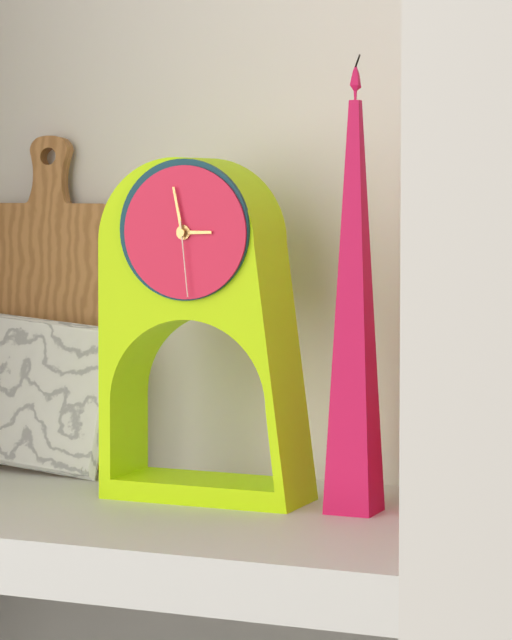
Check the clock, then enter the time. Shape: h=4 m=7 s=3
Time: h=2 m=58 s=29
